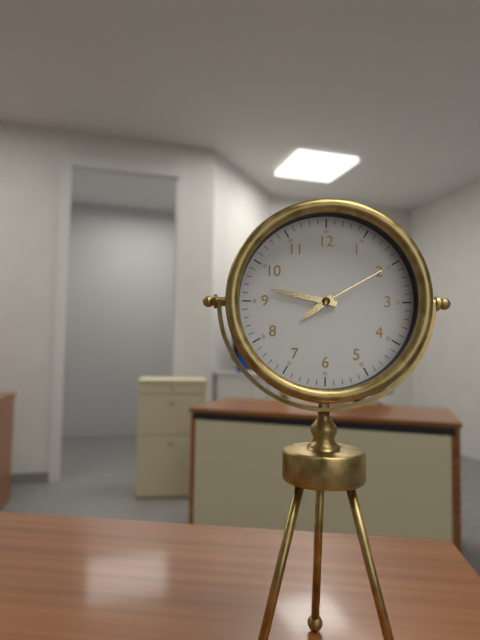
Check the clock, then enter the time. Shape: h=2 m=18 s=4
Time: h=7 m=47 s=10
